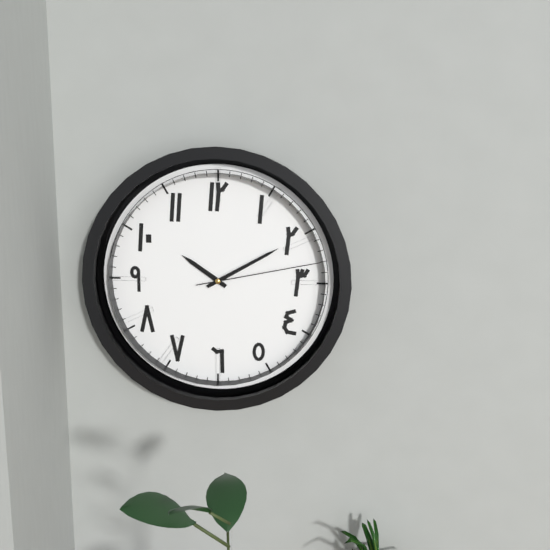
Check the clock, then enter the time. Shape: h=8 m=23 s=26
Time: h=10 m=10 s=13
